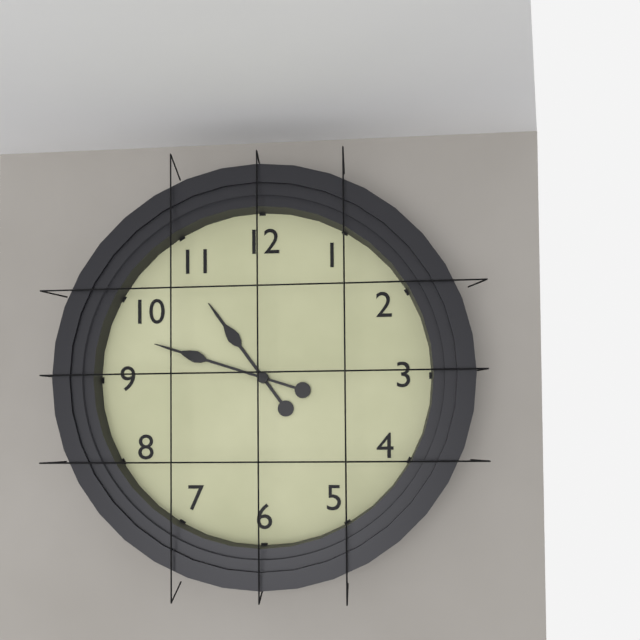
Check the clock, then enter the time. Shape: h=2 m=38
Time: h=10 m=48
